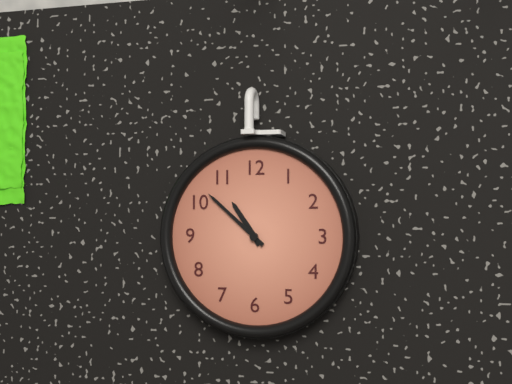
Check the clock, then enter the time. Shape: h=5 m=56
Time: h=10 m=52
